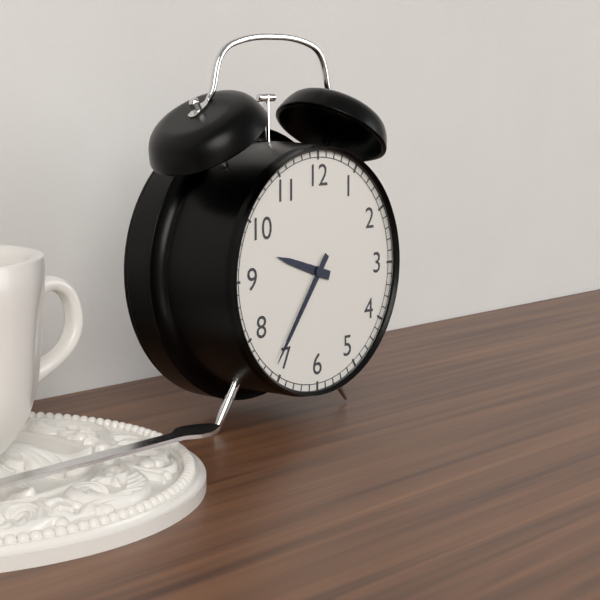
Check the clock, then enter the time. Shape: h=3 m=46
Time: h=9 m=36
